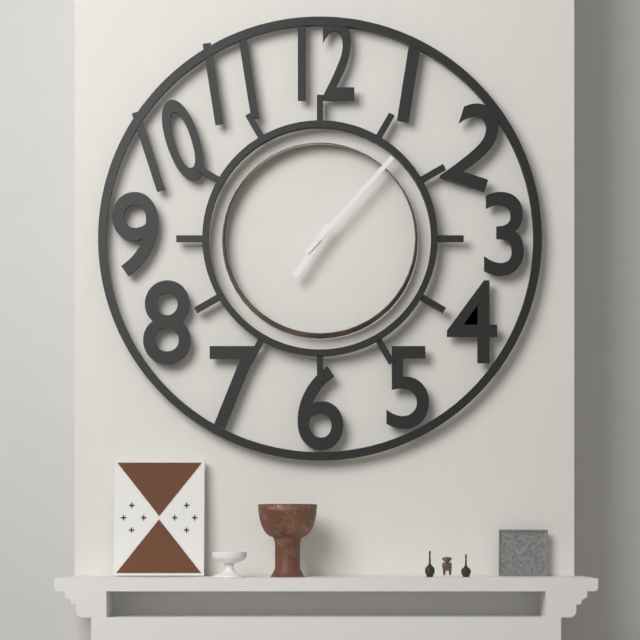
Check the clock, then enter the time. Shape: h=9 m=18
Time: h=7 m=7
